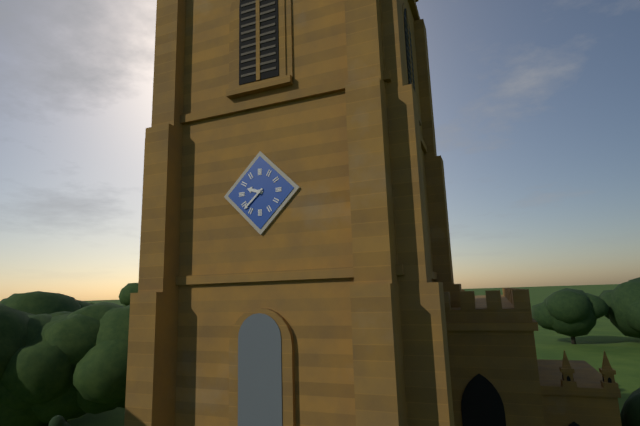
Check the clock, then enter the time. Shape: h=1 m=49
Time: h=9 m=38
